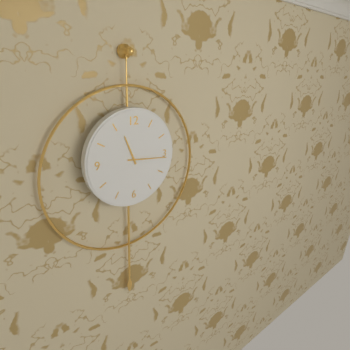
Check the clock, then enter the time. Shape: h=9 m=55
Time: h=11 m=16
